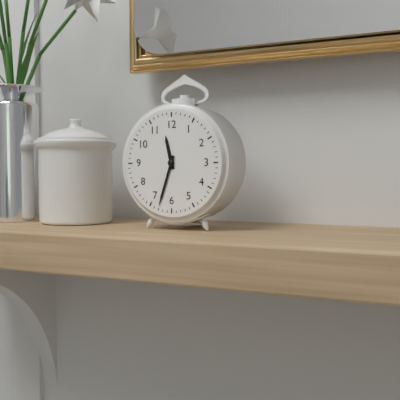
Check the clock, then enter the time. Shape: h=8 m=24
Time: h=11 m=33
